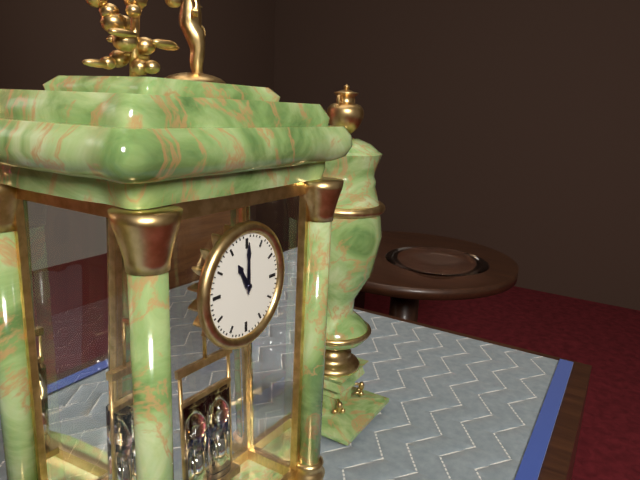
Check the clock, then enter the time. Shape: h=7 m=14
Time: h=11 m=0
